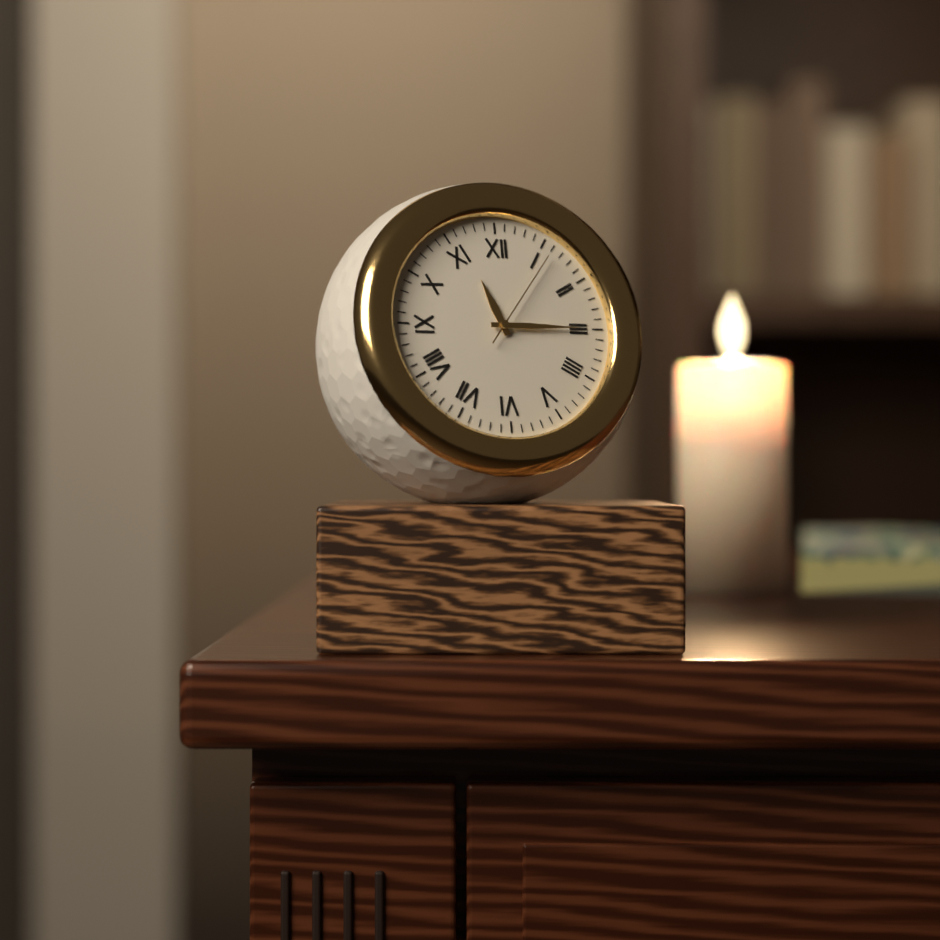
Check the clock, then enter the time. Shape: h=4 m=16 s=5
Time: h=11 m=15 s=6
